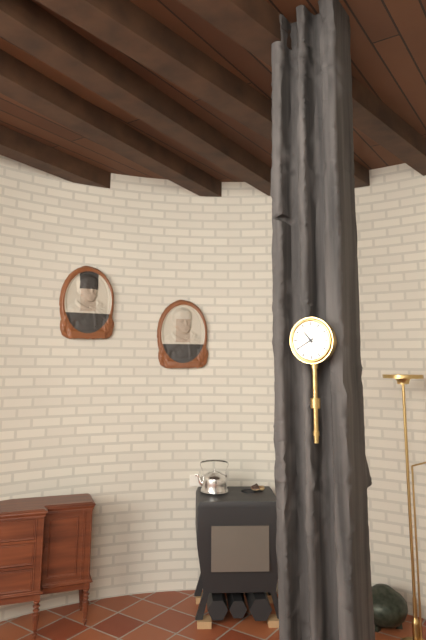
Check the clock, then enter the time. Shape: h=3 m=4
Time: h=10 m=40
